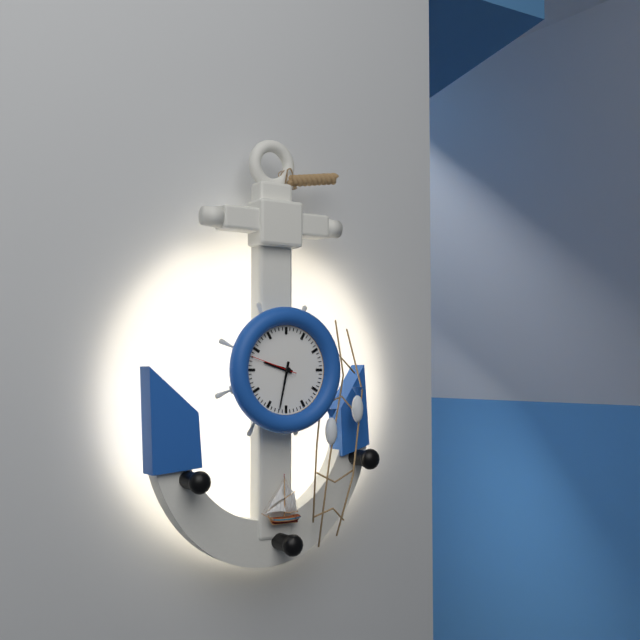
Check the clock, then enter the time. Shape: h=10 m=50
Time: h=9 m=32
